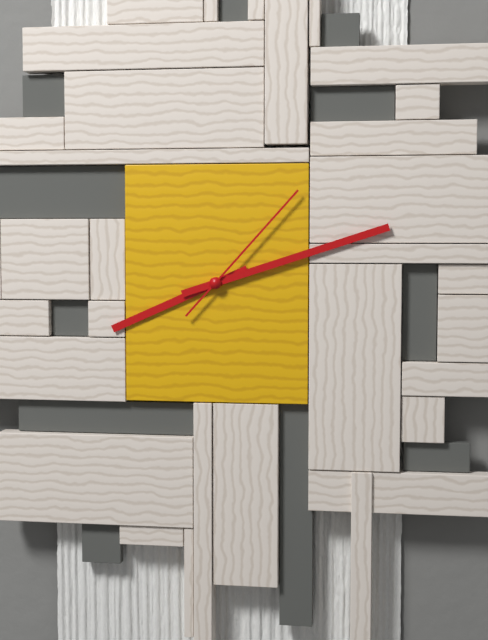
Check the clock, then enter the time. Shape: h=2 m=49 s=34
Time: h=8 m=12 s=7
